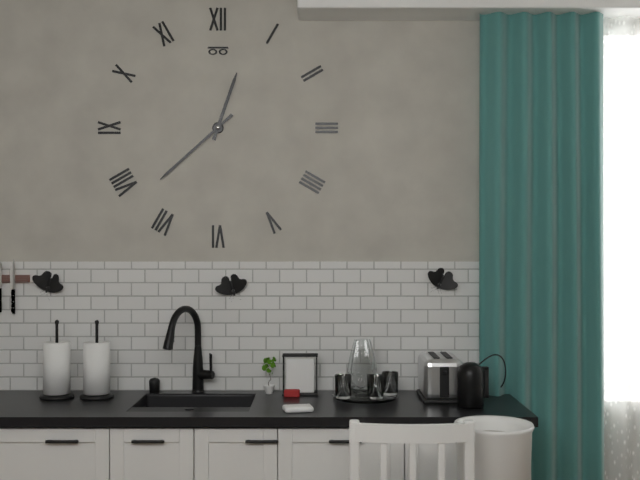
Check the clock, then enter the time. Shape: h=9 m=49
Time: h=12 m=38
